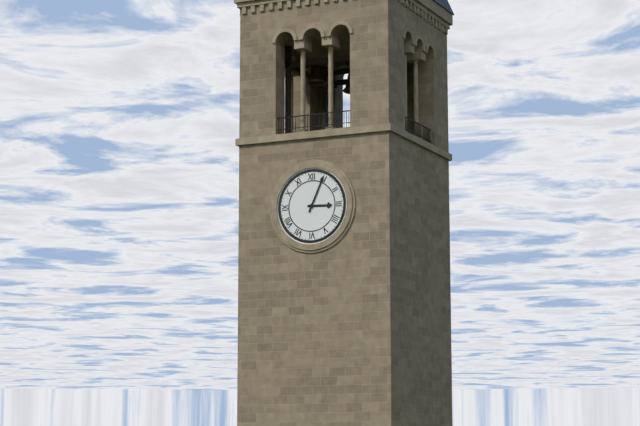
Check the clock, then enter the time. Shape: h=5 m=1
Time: h=3 m=4
